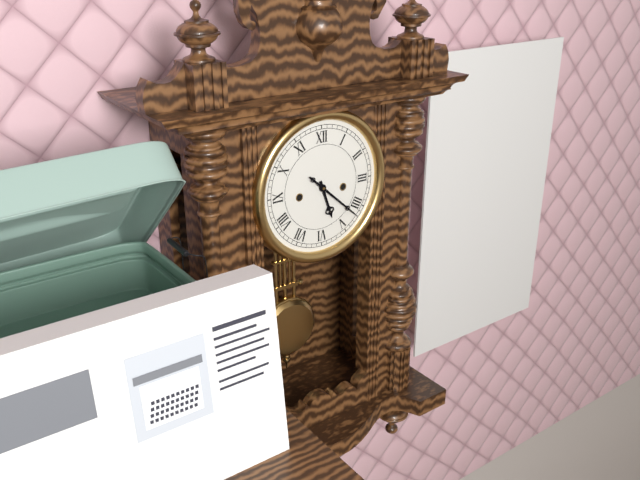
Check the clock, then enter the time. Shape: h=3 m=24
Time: h=5 m=22
